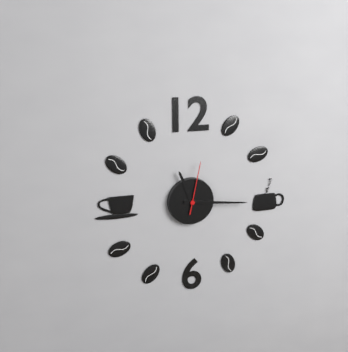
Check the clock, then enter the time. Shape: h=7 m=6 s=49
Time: h=11 m=16 s=2
